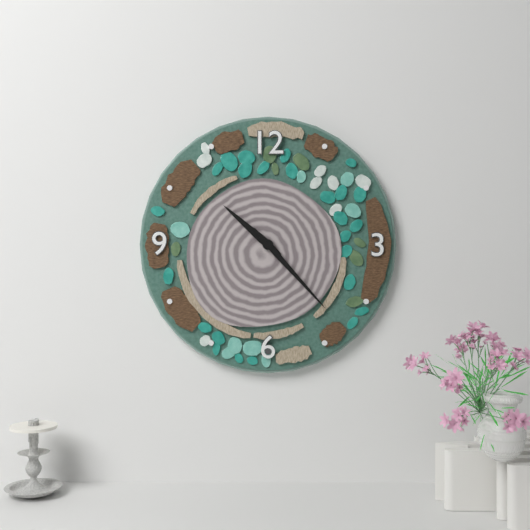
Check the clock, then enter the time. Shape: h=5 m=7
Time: h=10 m=23
